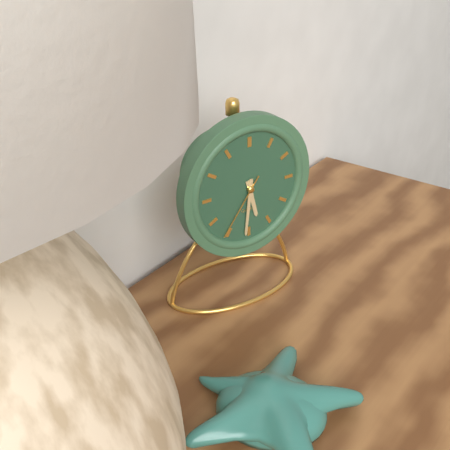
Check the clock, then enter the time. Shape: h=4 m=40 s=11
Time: h=5 m=31 s=36
